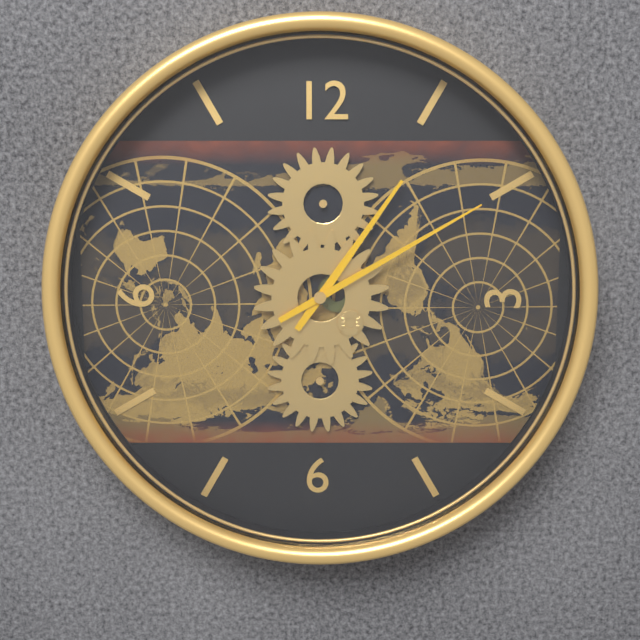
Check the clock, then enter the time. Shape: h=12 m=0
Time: h=1 m=10
